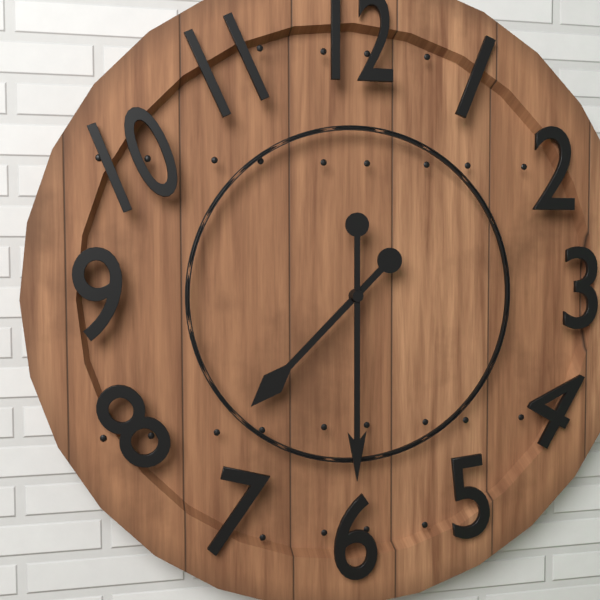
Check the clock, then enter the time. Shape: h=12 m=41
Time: h=7 m=30
